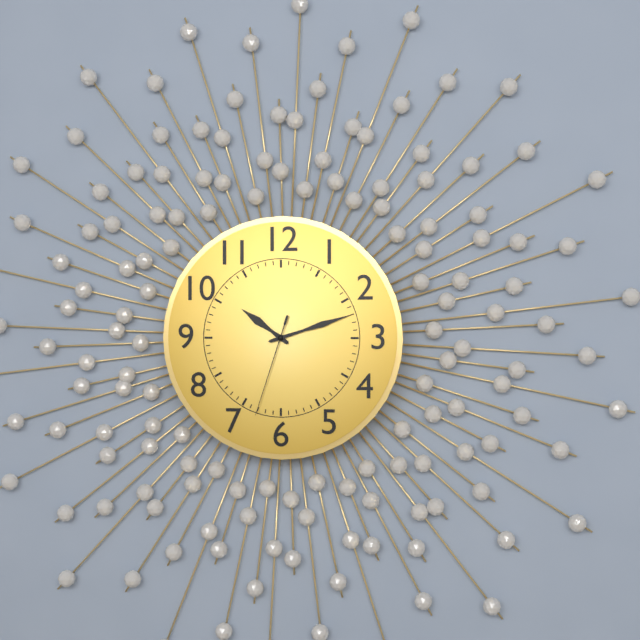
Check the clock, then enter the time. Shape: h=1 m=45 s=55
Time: h=10 m=12 s=33
